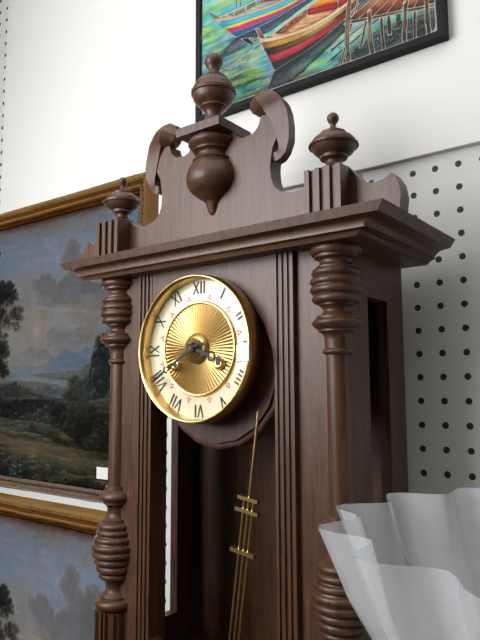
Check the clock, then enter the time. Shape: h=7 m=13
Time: h=3 m=40
